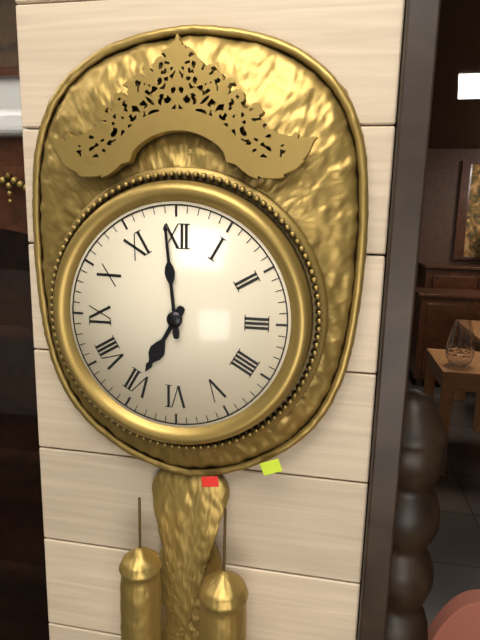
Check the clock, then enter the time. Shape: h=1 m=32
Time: h=6 m=59
